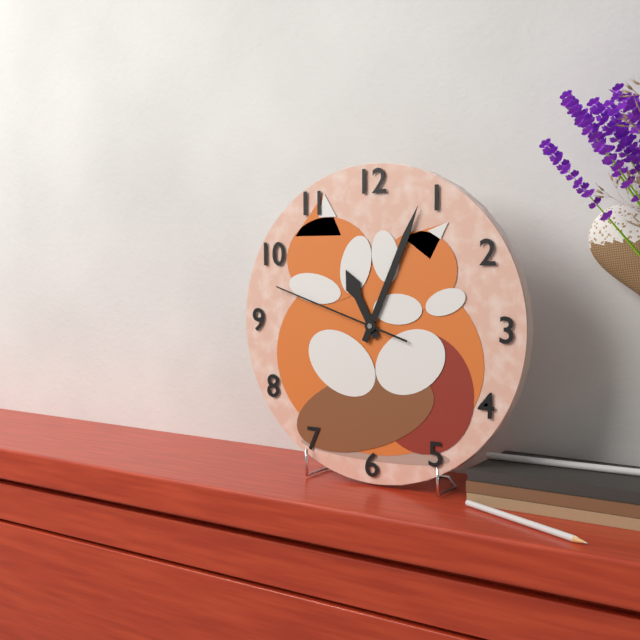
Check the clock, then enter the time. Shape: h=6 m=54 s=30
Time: h=11 m=4 s=48
